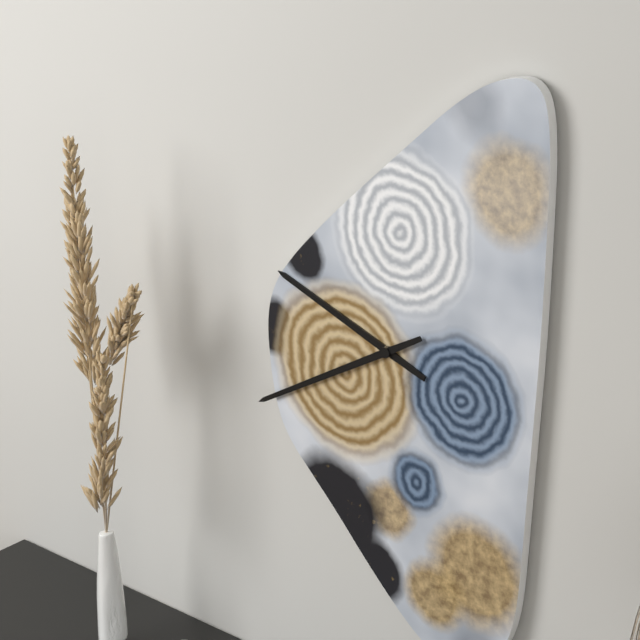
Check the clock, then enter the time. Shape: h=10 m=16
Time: h=9 m=40
